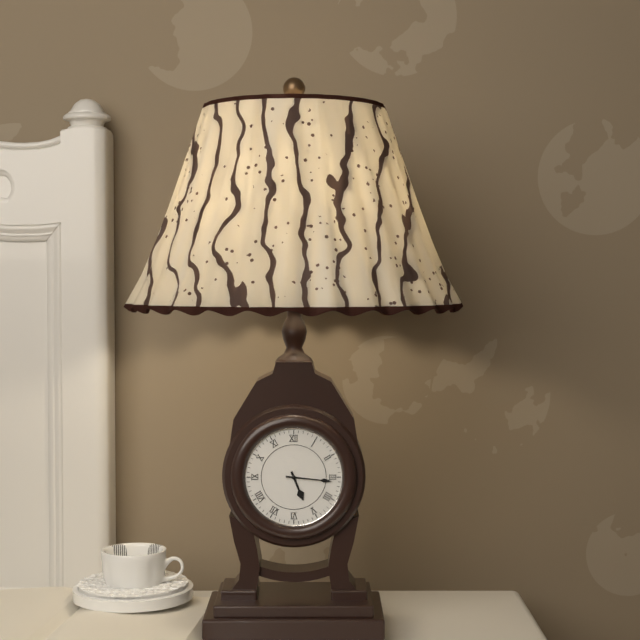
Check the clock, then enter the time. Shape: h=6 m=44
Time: h=5 m=16
